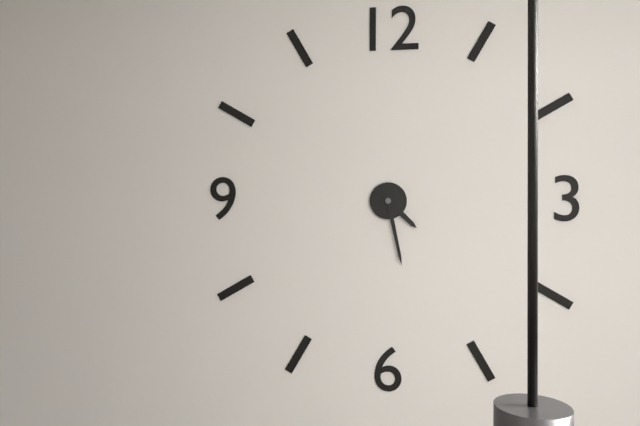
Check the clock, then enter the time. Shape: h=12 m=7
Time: h=4 m=28
